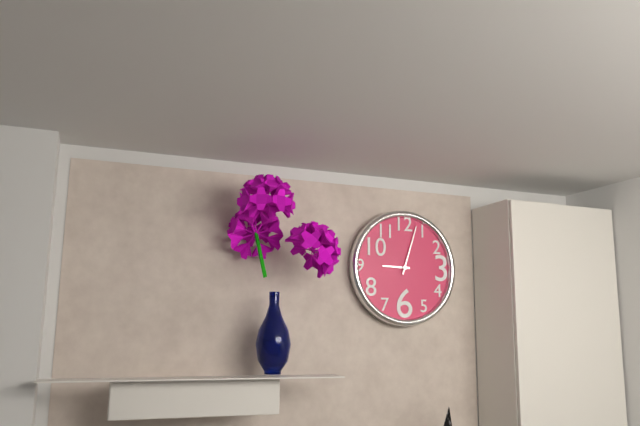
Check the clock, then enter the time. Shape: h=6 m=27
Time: h=9 m=3
